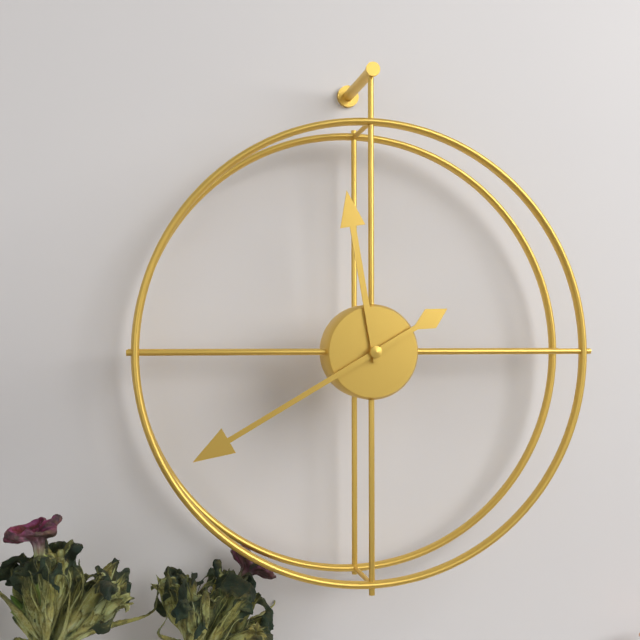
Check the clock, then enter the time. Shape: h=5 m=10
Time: h=11 m=40
